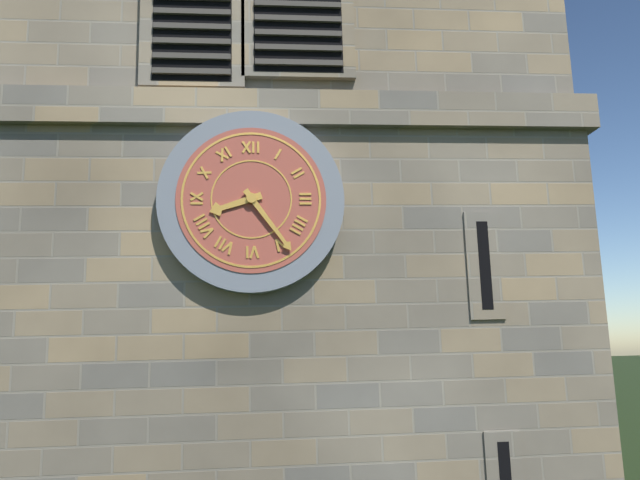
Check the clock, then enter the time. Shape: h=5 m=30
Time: h=8 m=24
